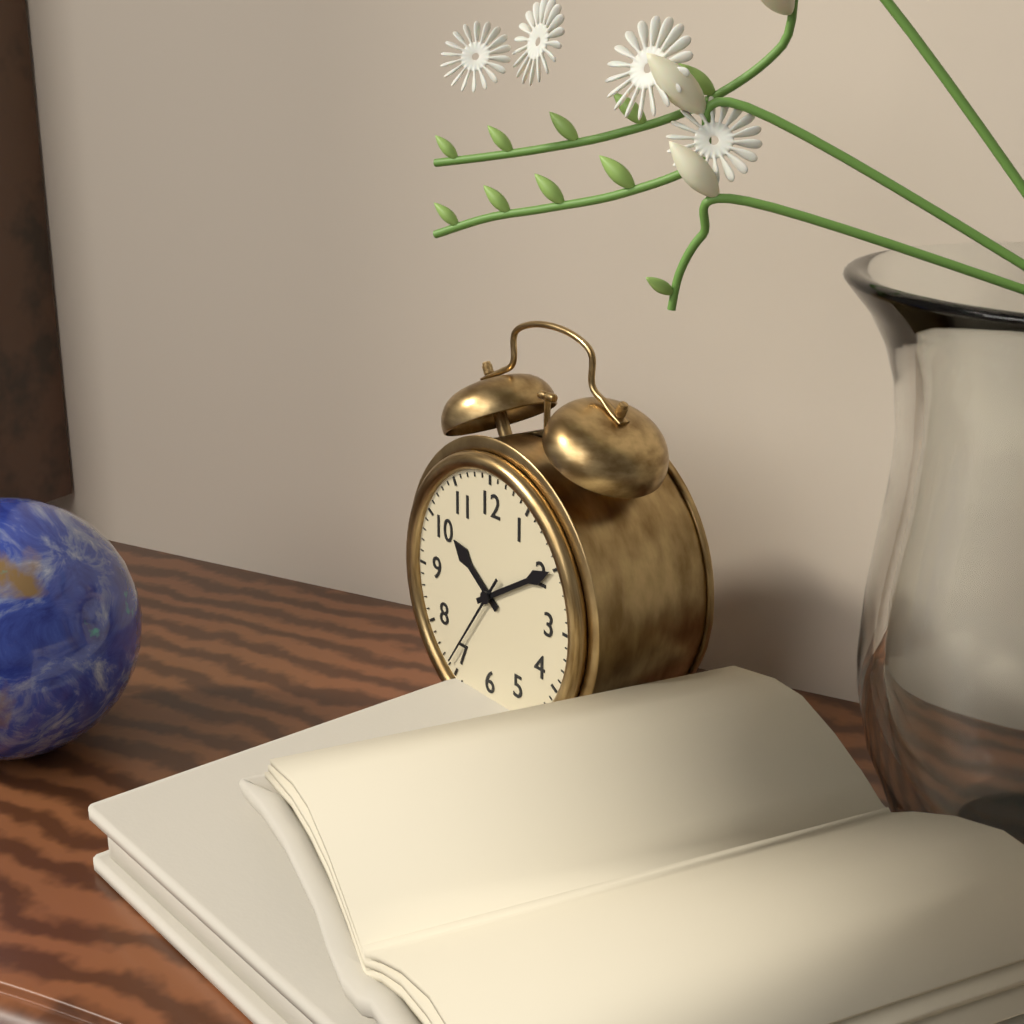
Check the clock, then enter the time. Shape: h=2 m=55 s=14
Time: h=10 m=10 s=36
